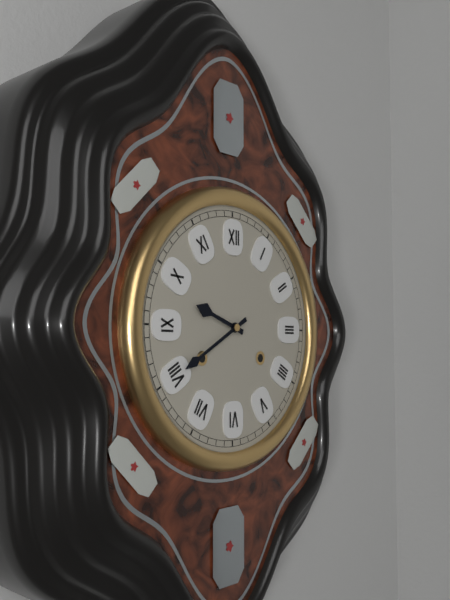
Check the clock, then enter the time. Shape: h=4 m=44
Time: h=9 m=40
